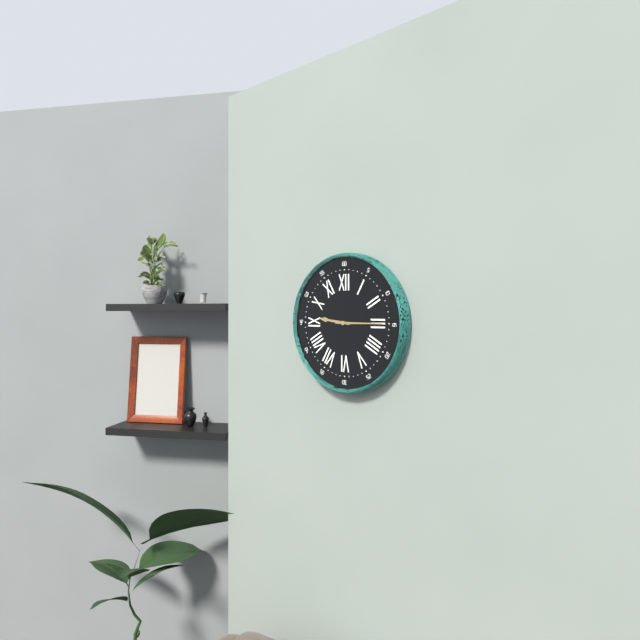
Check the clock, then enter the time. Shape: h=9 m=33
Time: h=9 m=15
